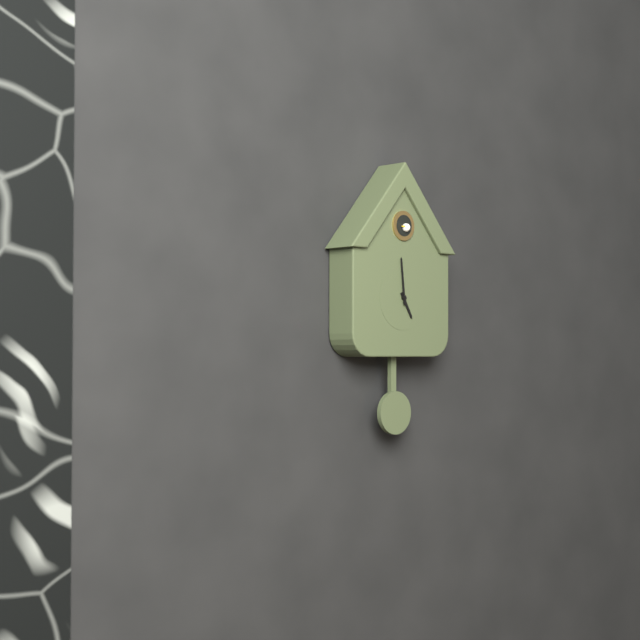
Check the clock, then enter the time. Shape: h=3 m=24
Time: h=4 m=59
